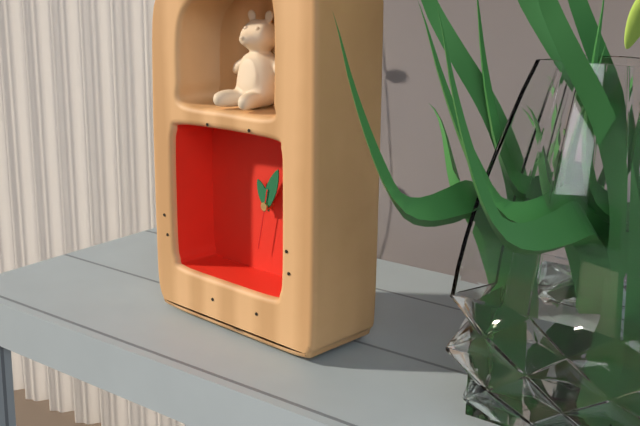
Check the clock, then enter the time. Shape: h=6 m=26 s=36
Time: h=11 m=4 s=32
